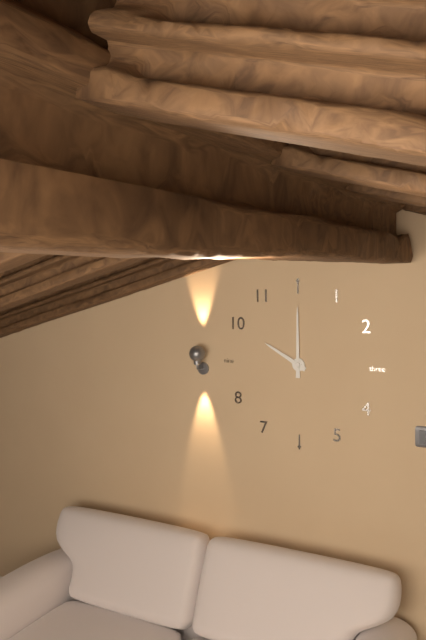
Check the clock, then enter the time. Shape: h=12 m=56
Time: h=10 m=0
